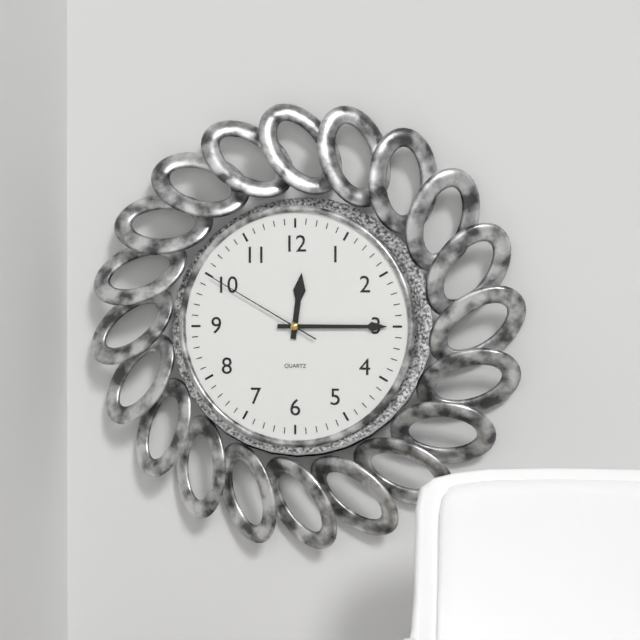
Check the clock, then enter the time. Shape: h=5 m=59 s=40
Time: h=12 m=15 s=50
